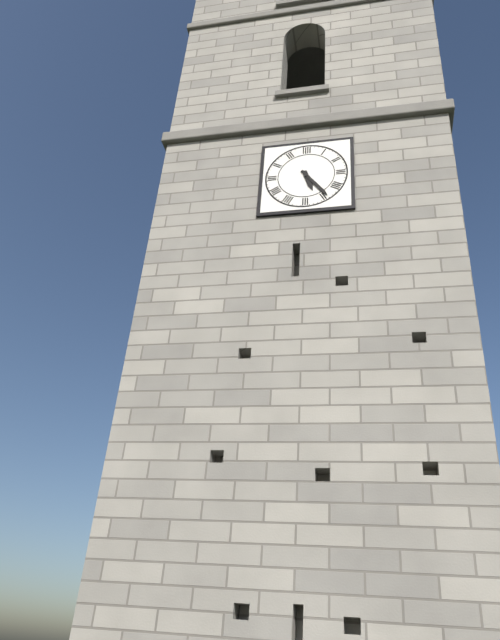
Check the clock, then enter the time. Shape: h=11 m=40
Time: h=5 m=24
